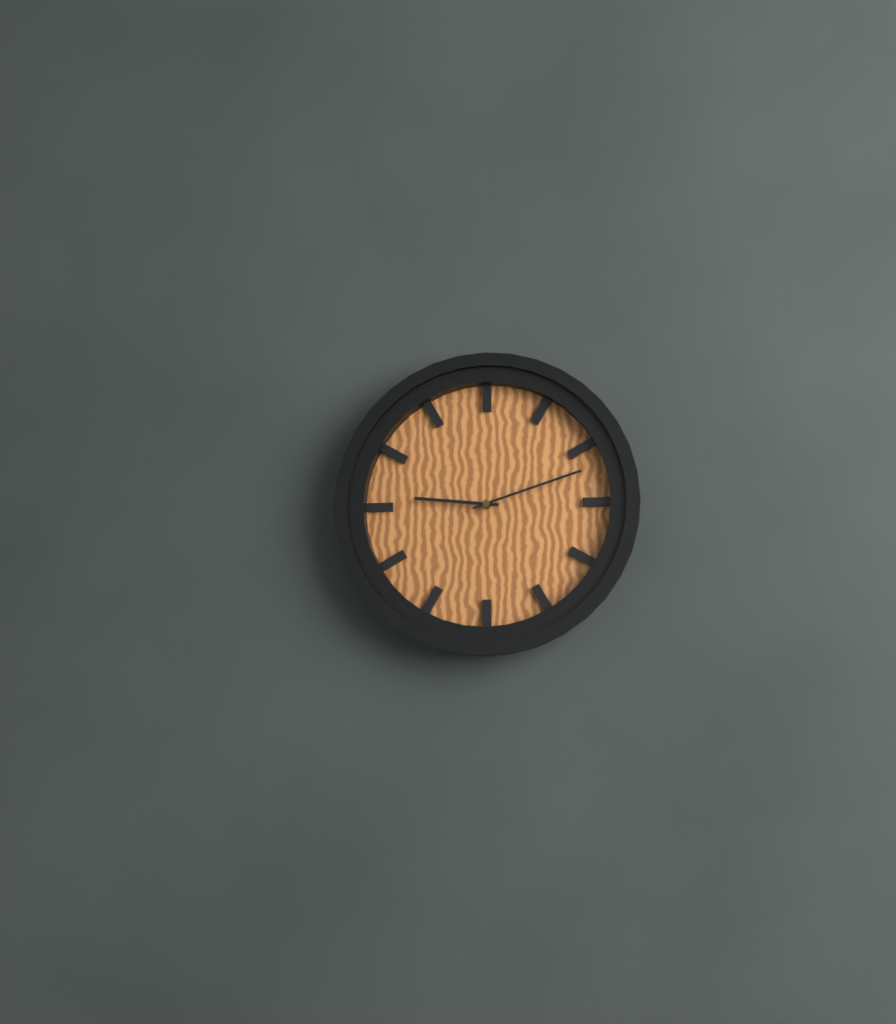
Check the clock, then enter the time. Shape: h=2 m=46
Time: h=9 m=12
